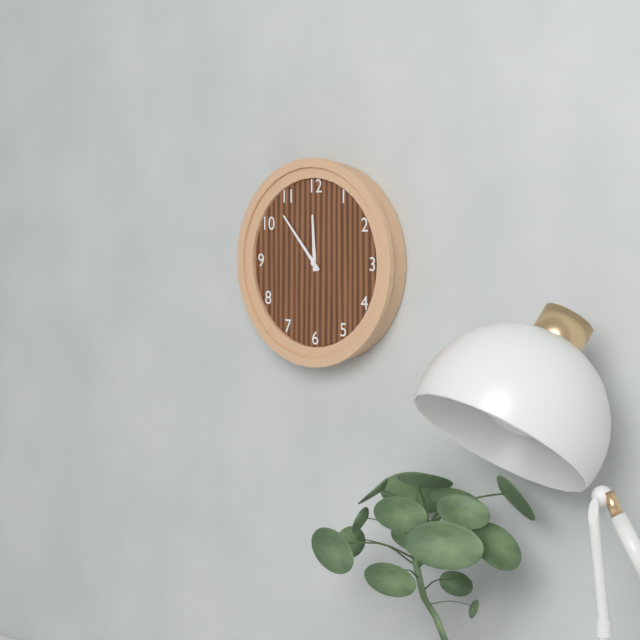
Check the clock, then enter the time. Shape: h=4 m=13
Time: h=11 m=53
